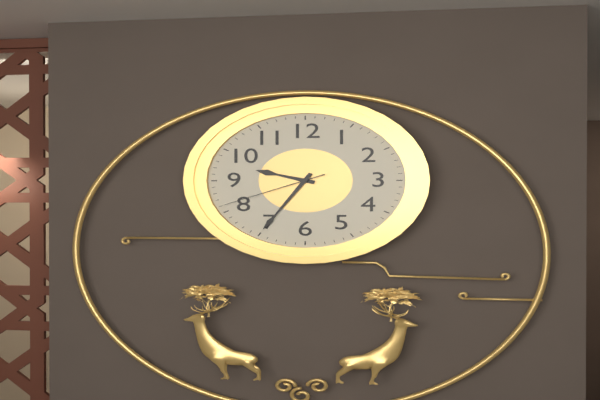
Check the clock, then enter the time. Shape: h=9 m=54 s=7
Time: h=9 m=35 s=41
